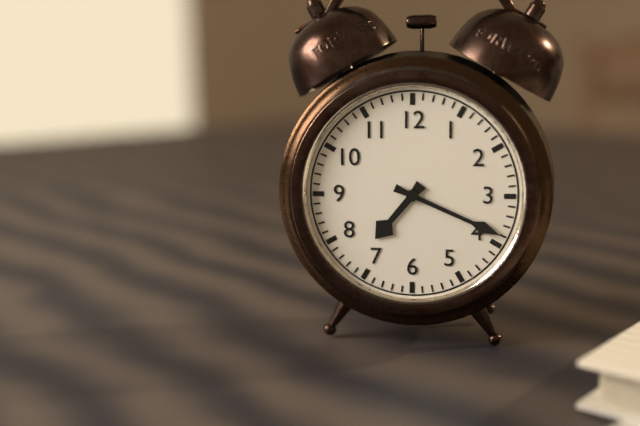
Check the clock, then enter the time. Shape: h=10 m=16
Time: h=7 m=19
